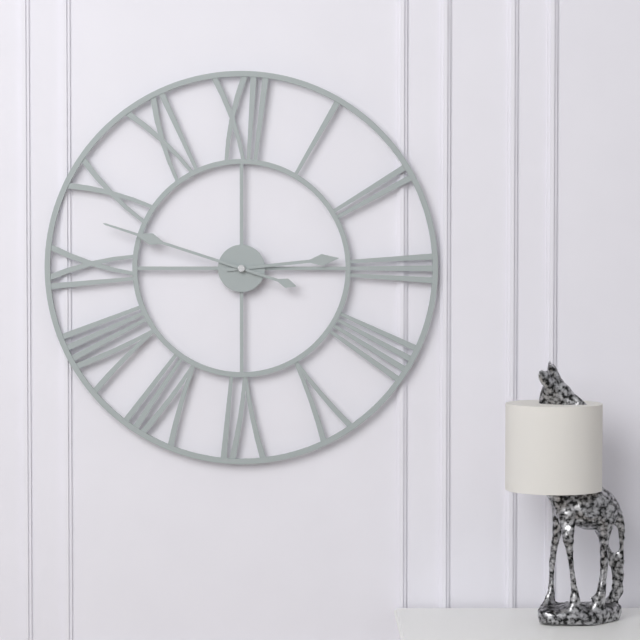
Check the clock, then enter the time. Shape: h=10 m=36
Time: h=2 m=48
